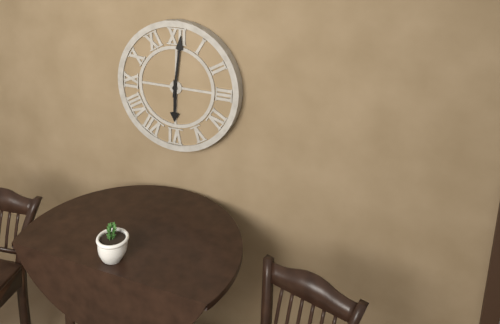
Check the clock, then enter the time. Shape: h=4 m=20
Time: h=6 m=1
